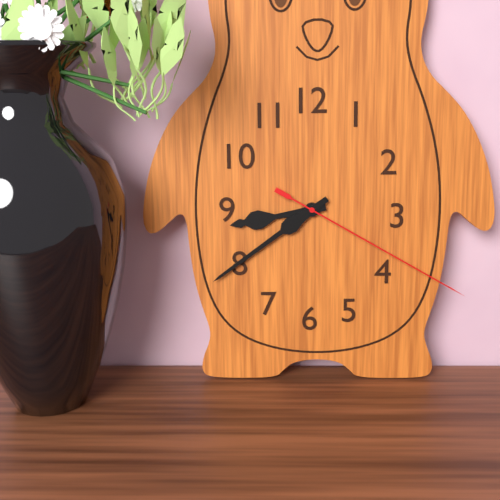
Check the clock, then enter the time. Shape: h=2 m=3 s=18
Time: h=8 m=39 s=20
